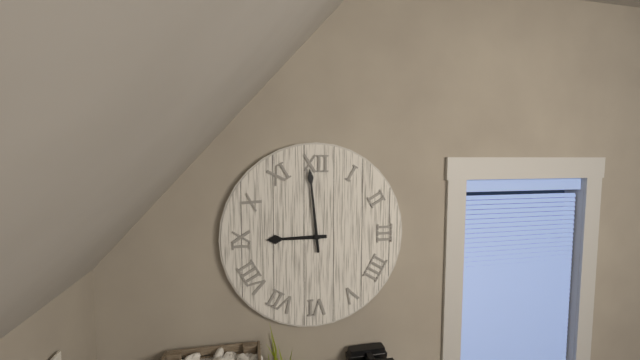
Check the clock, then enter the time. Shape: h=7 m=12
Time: h=8 m=59
